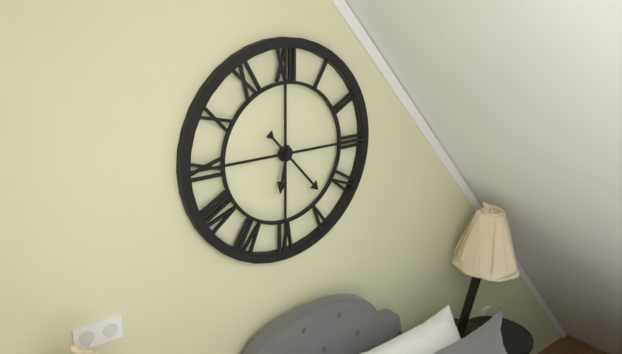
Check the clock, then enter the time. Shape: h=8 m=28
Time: h=6 m=23
